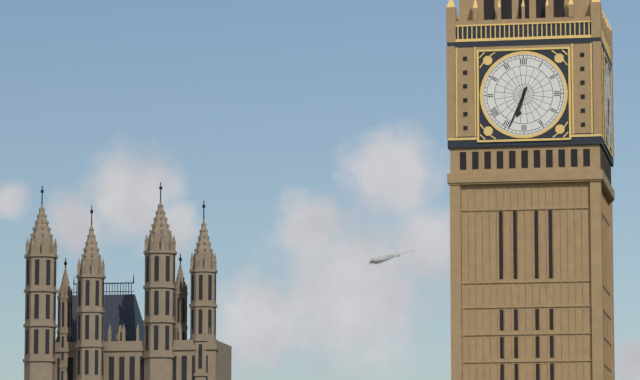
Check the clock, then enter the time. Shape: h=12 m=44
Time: h=6 m=34
